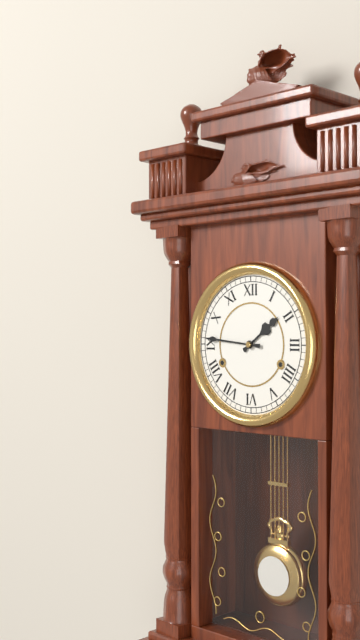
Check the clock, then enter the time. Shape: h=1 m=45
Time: h=1 m=46
